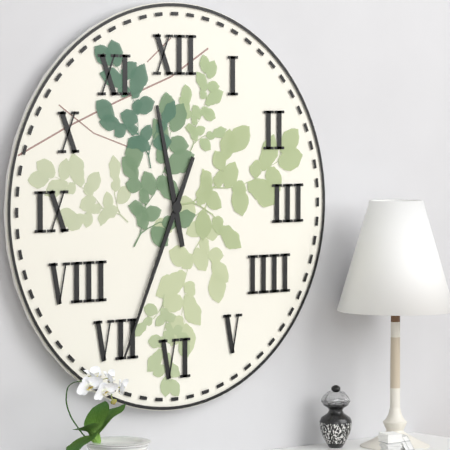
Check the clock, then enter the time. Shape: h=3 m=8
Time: h=11 m=34
